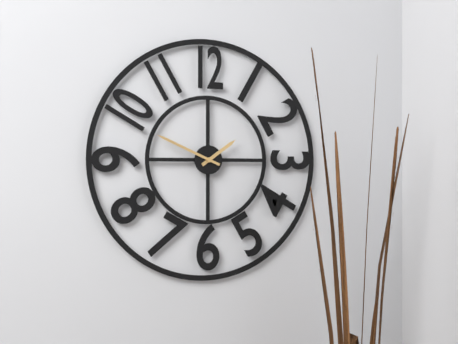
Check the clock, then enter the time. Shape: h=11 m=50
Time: h=1 m=49
